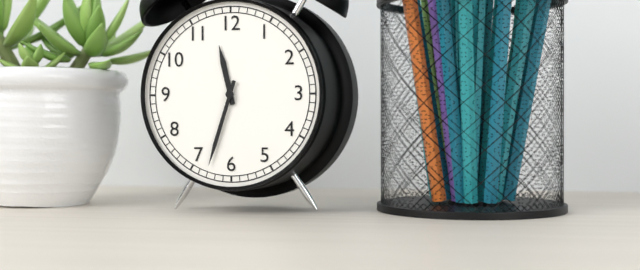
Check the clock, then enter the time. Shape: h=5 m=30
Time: h=11 m=33
